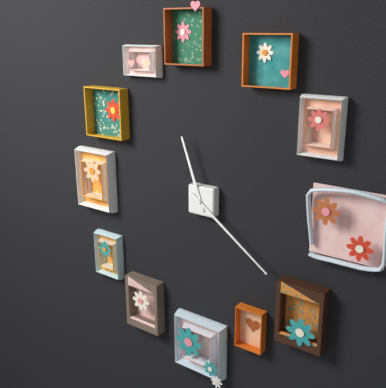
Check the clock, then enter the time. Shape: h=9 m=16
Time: h=11 m=21
